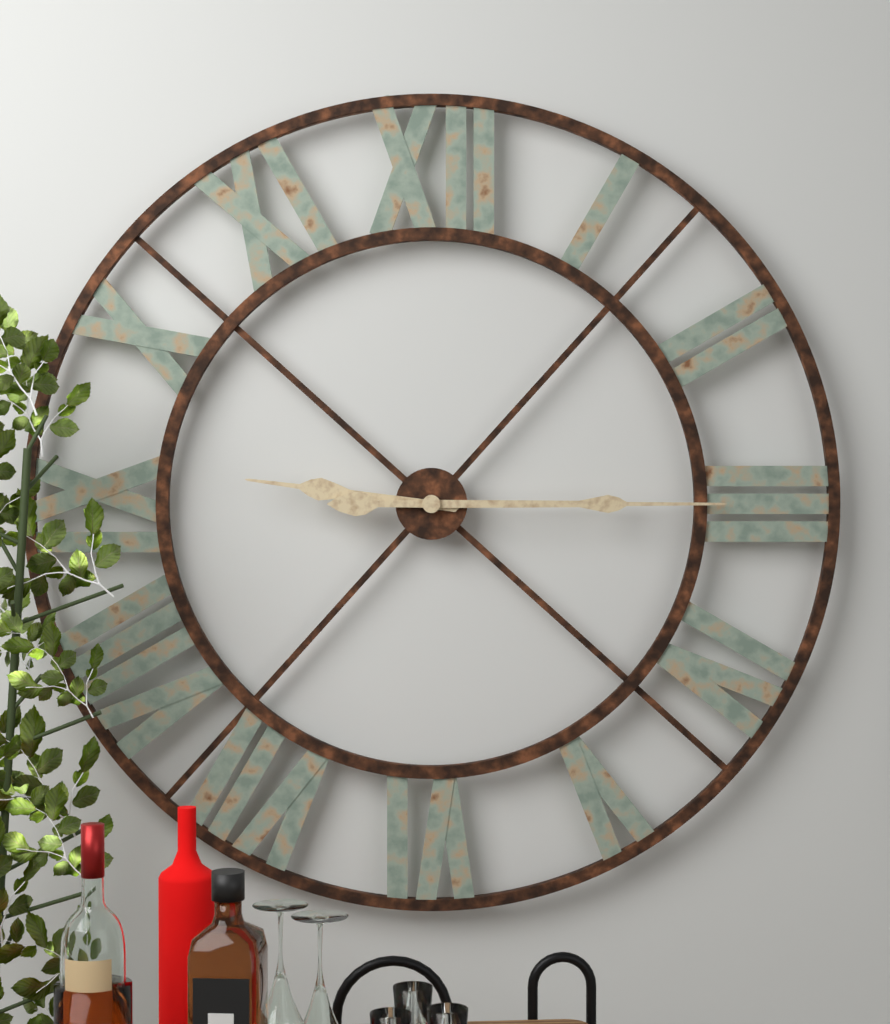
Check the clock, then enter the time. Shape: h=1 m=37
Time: h=9 m=15
